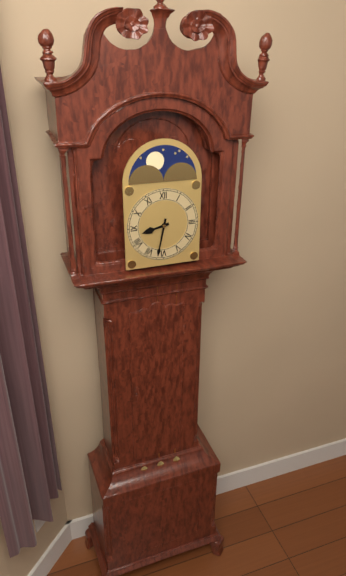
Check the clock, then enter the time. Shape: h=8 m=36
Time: h=8 m=32
